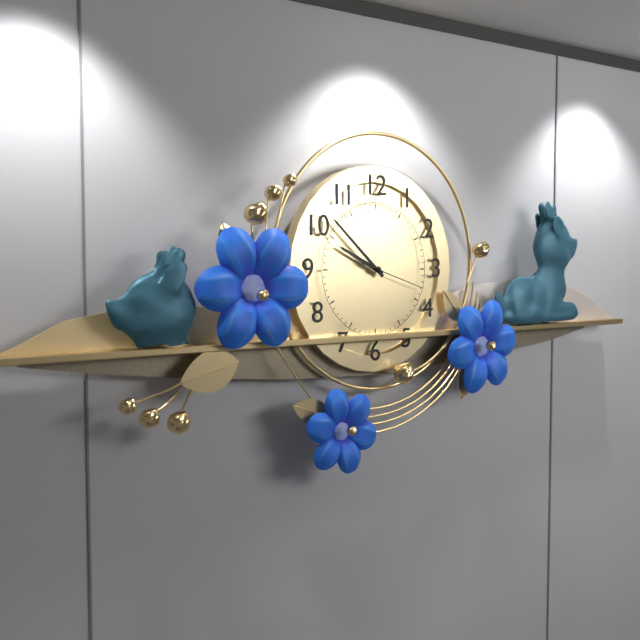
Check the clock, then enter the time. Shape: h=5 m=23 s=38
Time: h=9 m=52 s=18
